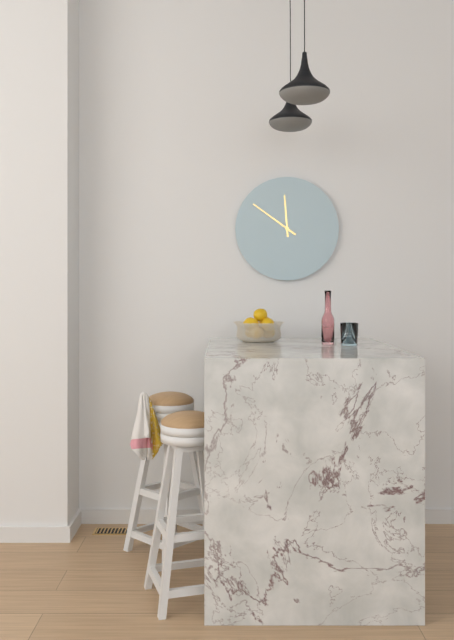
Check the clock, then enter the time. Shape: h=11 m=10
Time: h=11 m=51
